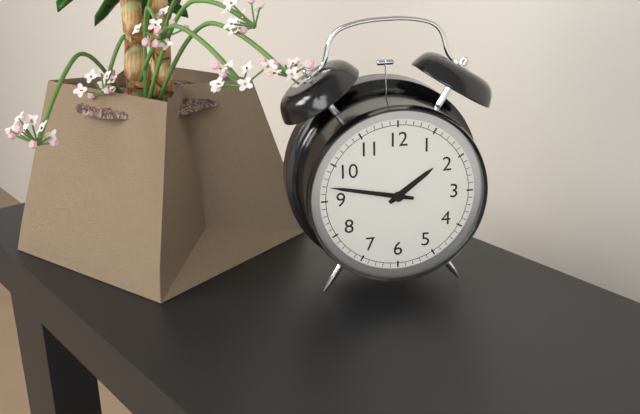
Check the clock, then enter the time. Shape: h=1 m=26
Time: h=1 m=47
